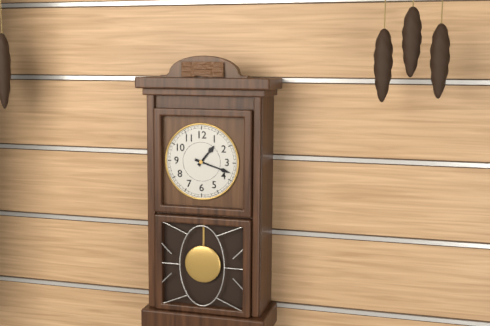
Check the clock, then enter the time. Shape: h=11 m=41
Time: h=1 m=18
